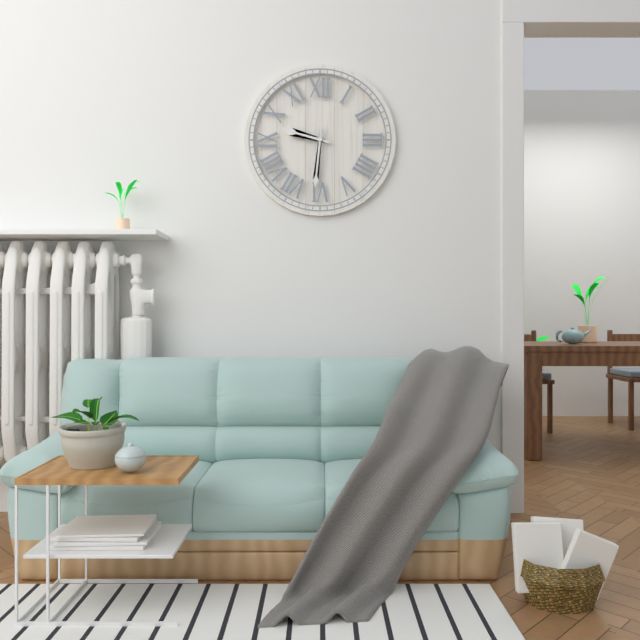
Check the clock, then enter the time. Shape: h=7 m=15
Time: h=9 m=31
